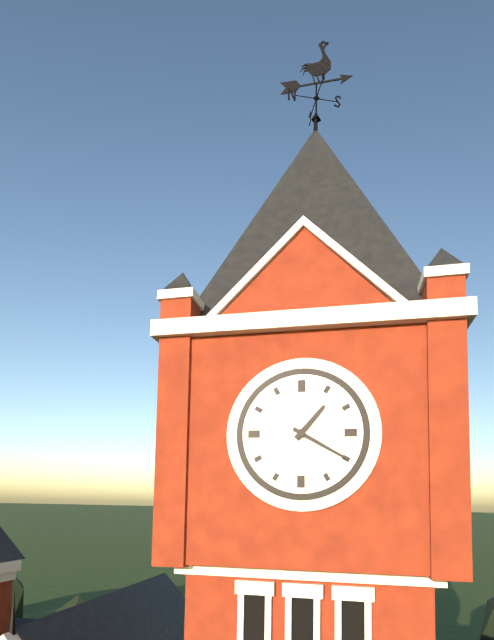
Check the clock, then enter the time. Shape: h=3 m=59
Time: h=1 m=20
